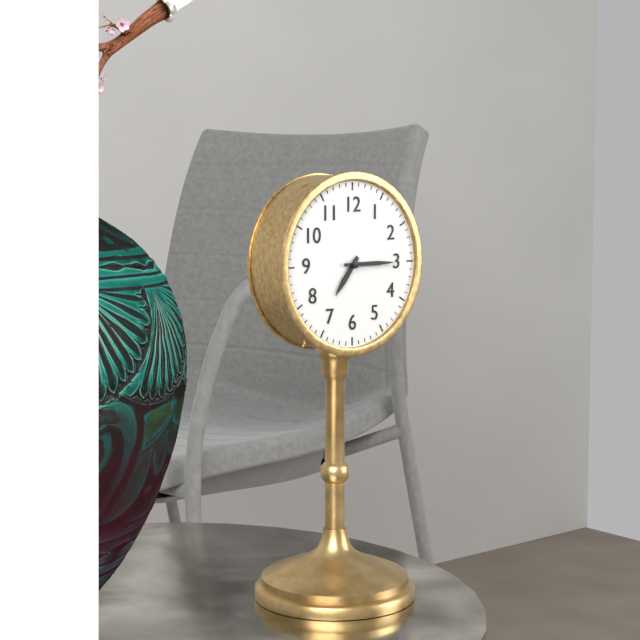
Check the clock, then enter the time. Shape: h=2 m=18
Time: h=7 m=15
